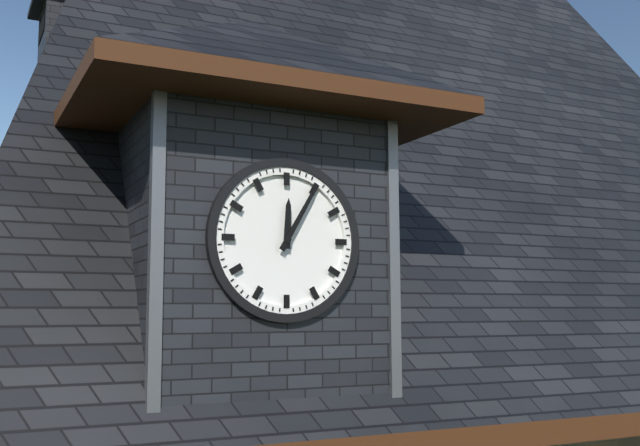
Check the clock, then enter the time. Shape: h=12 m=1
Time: h=12 m=5
